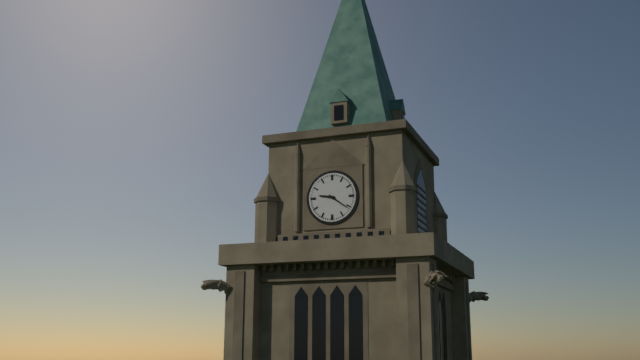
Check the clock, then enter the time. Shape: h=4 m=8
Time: h=9 m=21
